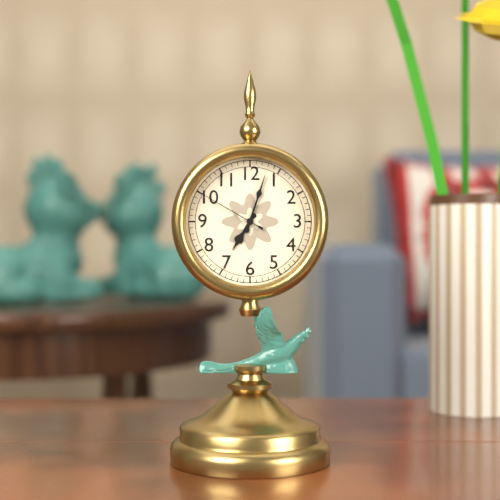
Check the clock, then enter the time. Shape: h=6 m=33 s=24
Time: h=7 m=3 s=50
